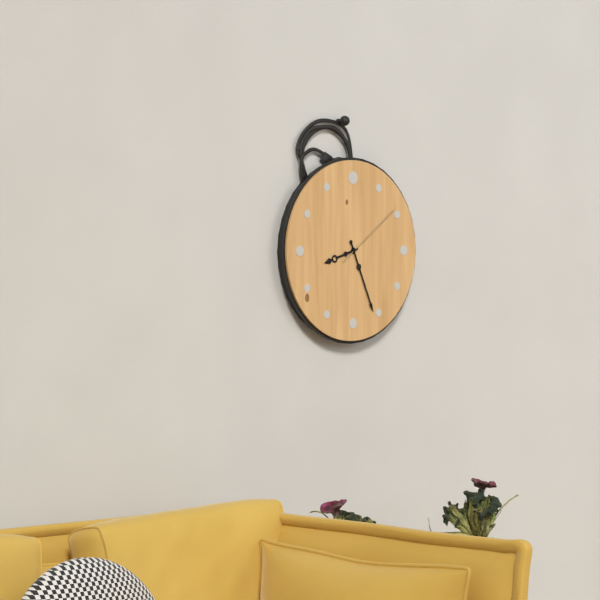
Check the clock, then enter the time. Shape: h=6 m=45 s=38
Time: h=8 m=26 s=9
